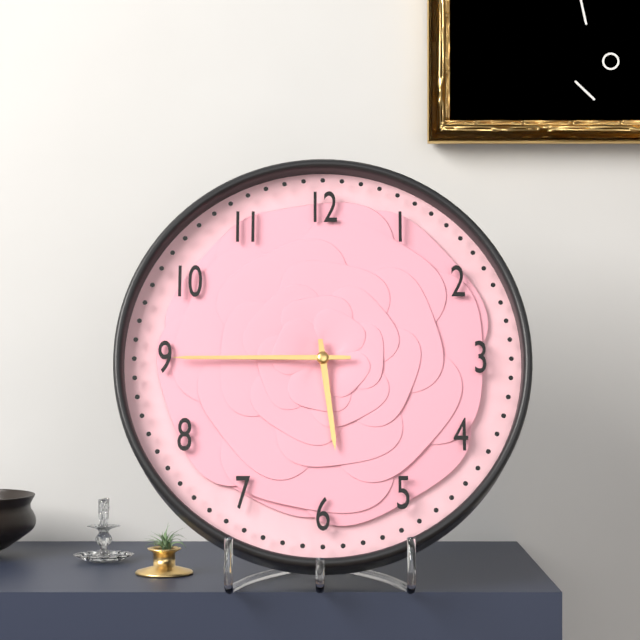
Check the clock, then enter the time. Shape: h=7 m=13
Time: h=5 m=45
